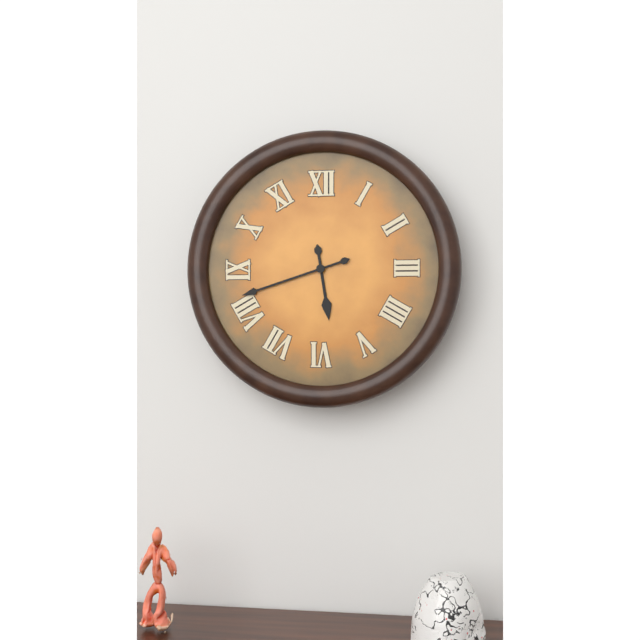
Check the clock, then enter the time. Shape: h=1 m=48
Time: h=5 m=42
